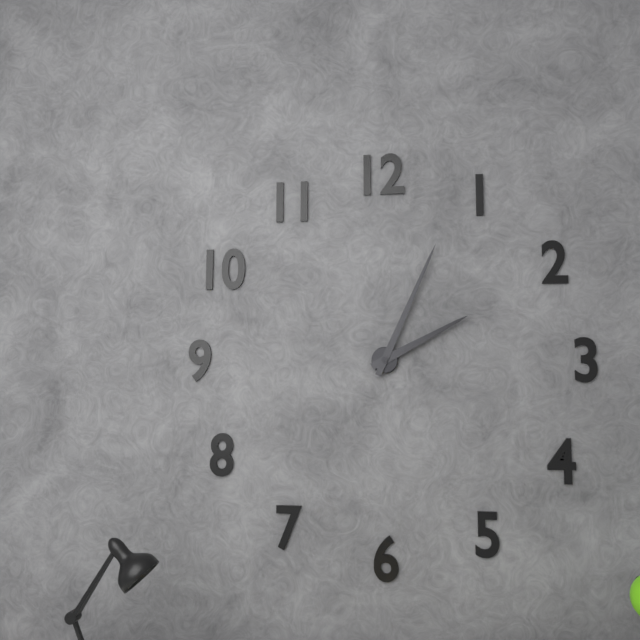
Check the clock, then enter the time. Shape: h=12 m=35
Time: h=2 m=4
